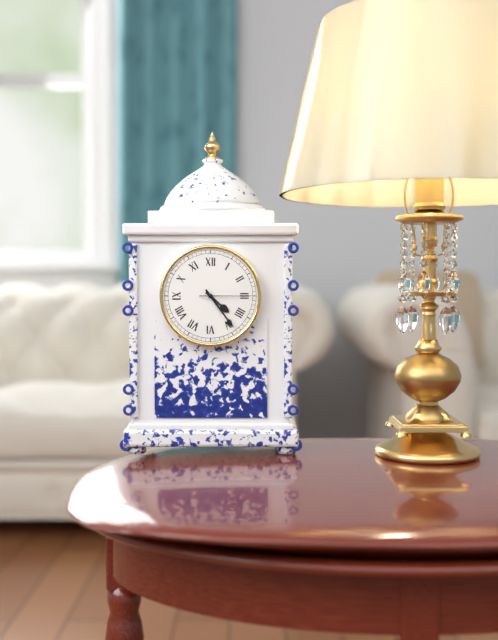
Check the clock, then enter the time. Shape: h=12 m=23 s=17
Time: h=4 m=24 s=15
